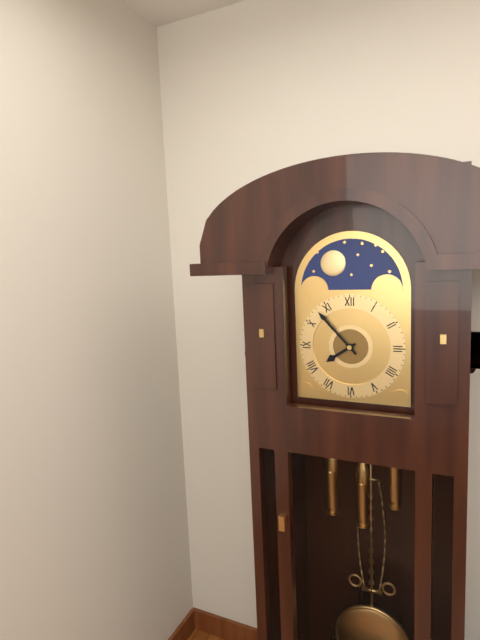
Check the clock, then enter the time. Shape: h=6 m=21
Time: h=7 m=53
